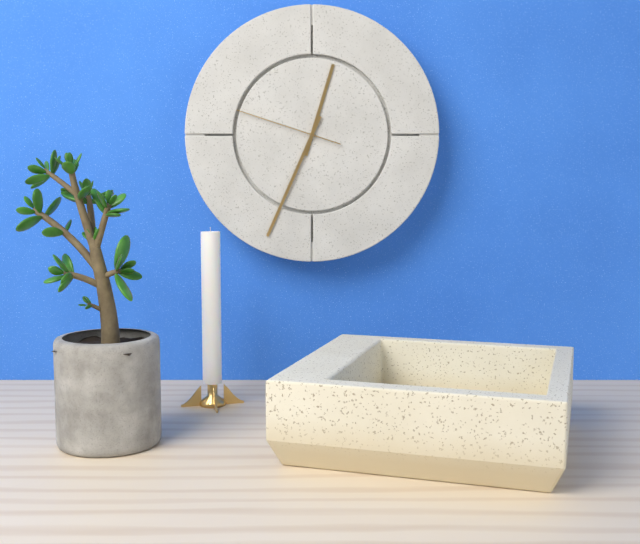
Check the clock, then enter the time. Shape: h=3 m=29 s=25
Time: h=12 m=34 s=48
